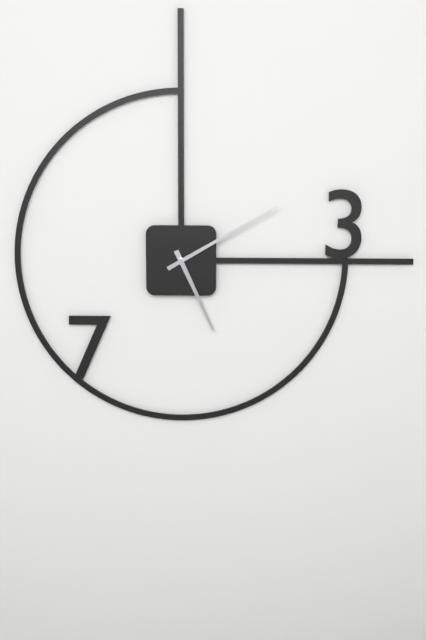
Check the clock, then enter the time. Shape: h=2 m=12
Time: h=5 m=10
